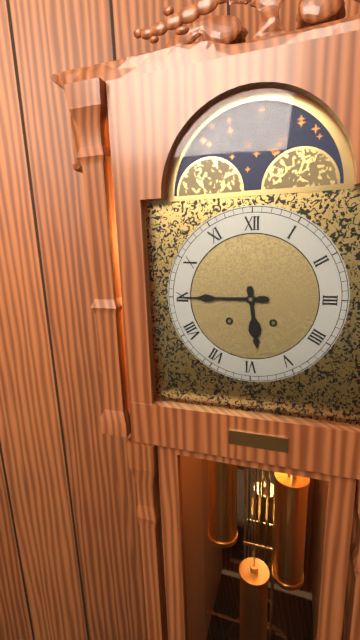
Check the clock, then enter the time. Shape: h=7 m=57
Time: h=5 m=45
